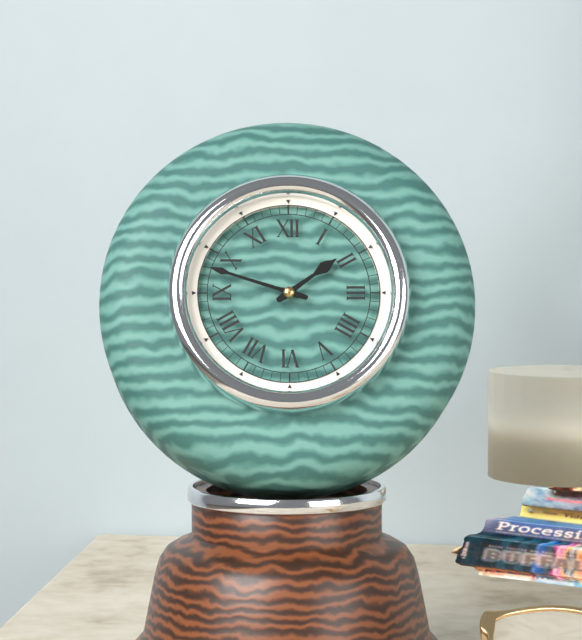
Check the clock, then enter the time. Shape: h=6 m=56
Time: h=1 m=48
